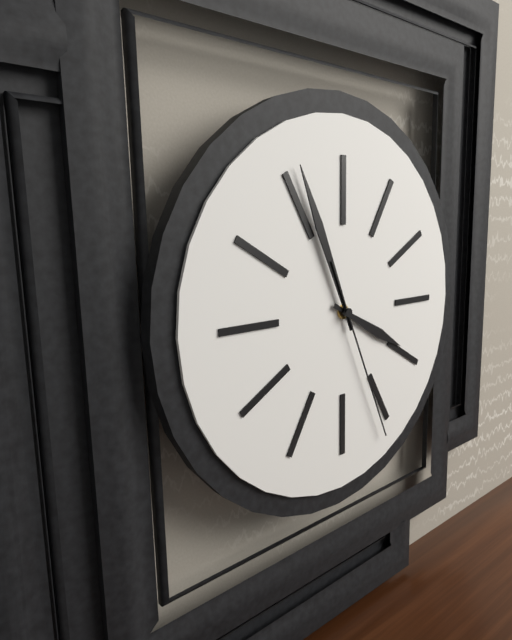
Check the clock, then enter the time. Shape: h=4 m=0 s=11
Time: h=3 m=56 s=26
